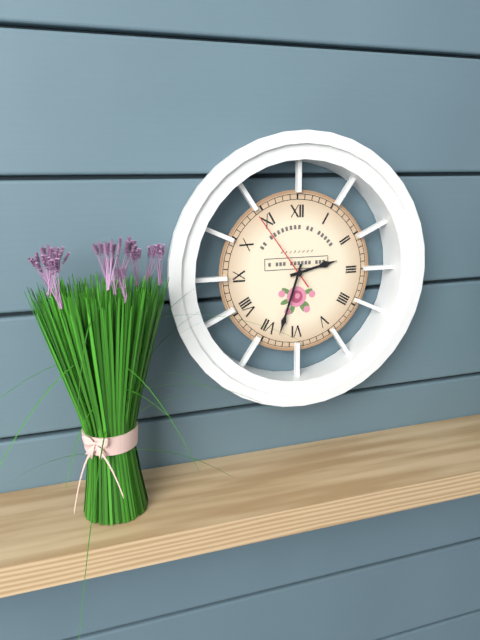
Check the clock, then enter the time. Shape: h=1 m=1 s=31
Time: h=2 m=33 s=54
